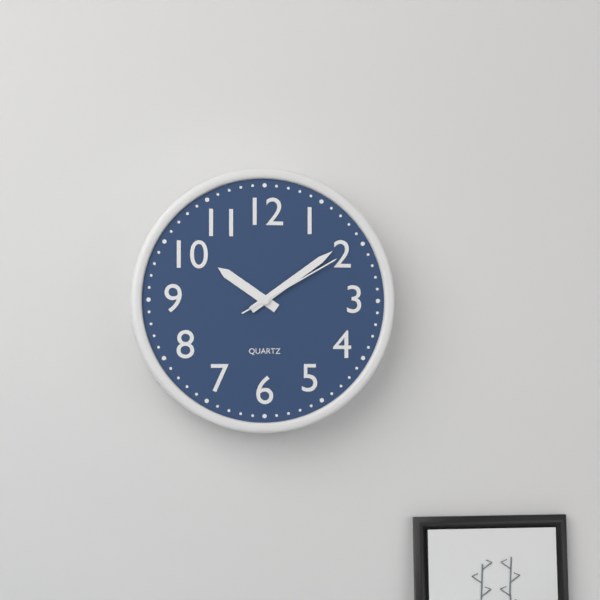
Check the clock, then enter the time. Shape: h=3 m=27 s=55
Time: h=10 m=9 s=10
